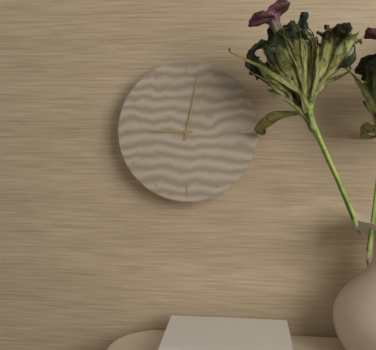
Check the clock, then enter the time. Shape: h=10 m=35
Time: h=9 m=2
